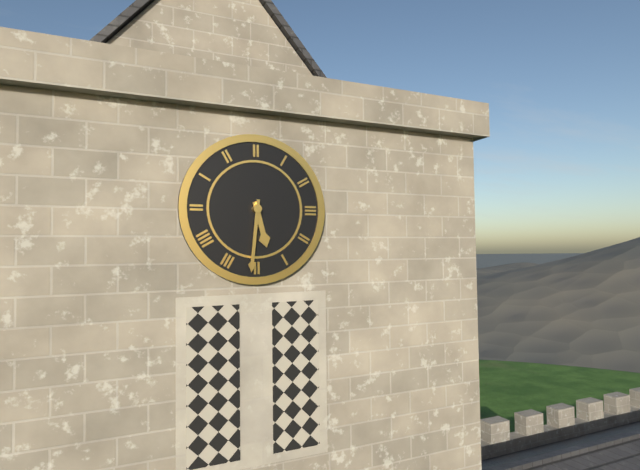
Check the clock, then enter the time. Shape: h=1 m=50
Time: h=5 m=31
